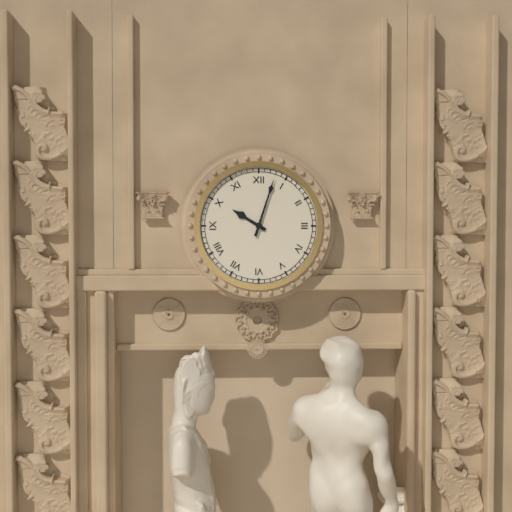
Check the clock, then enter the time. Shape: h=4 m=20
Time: h=10 m=3
